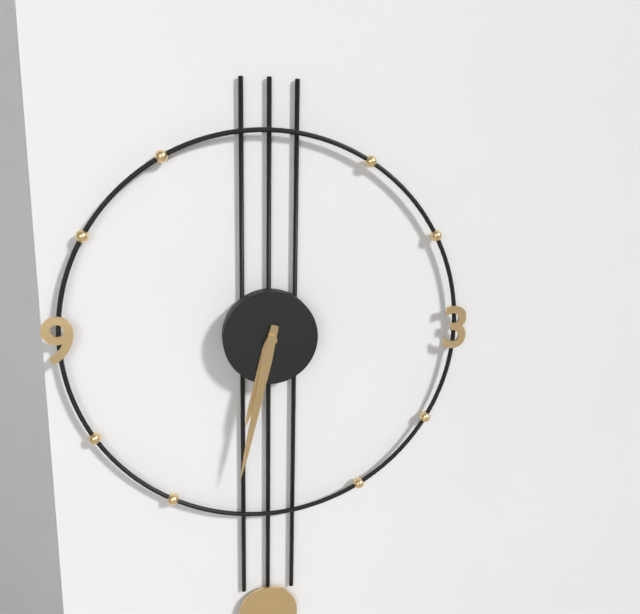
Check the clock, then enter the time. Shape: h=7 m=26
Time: h=6 m=32
